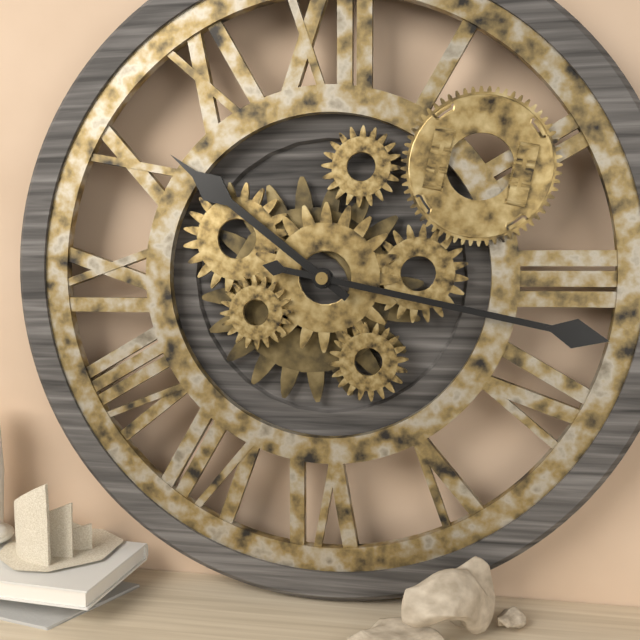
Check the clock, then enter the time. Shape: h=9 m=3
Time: h=10 m=17
